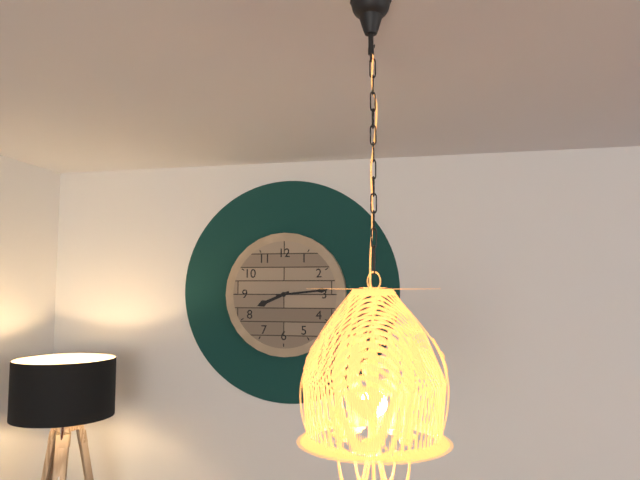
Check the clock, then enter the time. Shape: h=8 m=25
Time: h=8 m=14
